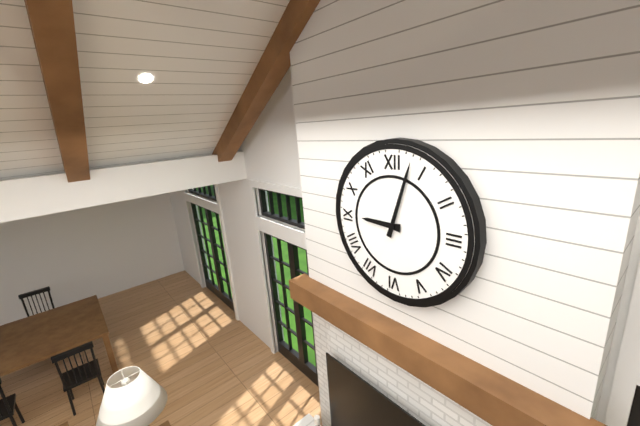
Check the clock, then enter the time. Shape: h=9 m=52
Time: h=9 m=3
